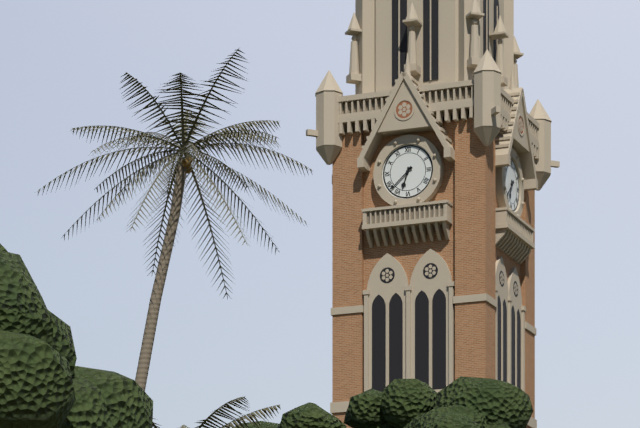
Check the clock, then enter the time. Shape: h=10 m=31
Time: h=6 m=38
